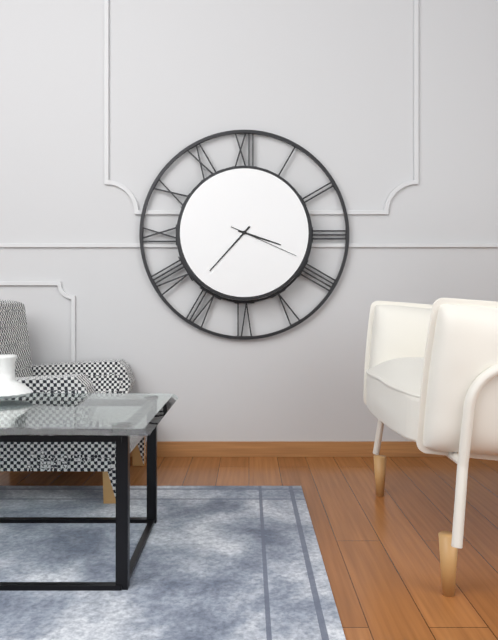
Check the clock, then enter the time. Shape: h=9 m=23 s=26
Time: h=3 m=37 s=19
